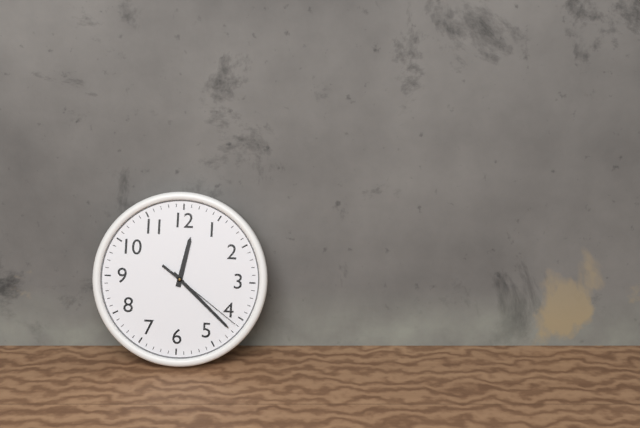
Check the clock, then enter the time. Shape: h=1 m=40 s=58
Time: h=12 m=22 s=21
